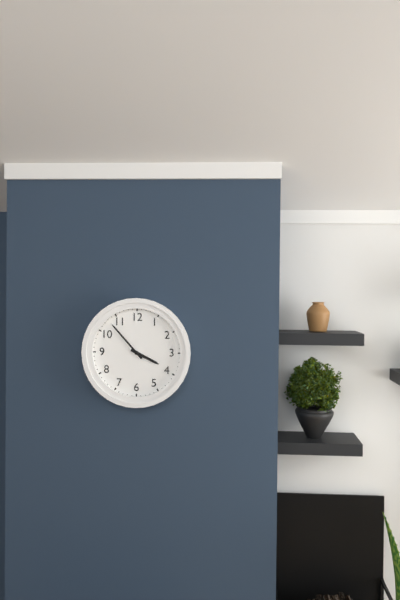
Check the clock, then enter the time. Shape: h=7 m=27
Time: h=3 m=53
